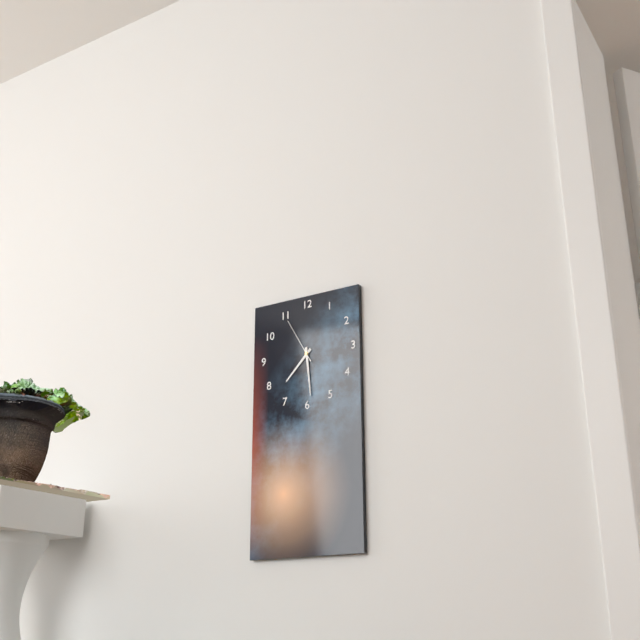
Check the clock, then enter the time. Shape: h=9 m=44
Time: h=7 m=29
